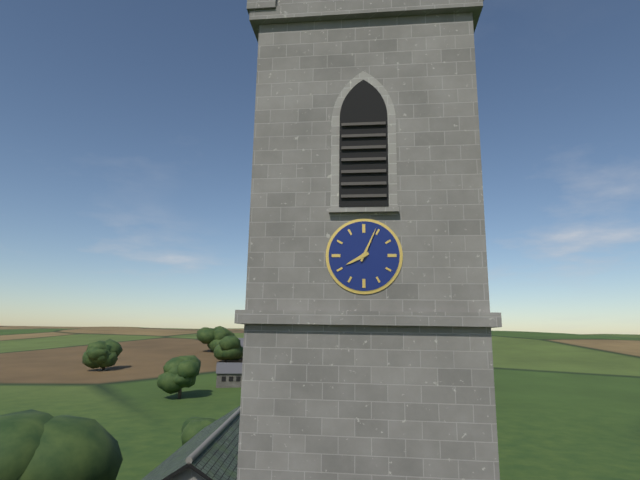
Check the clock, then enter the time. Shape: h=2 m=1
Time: h=8 m=4
